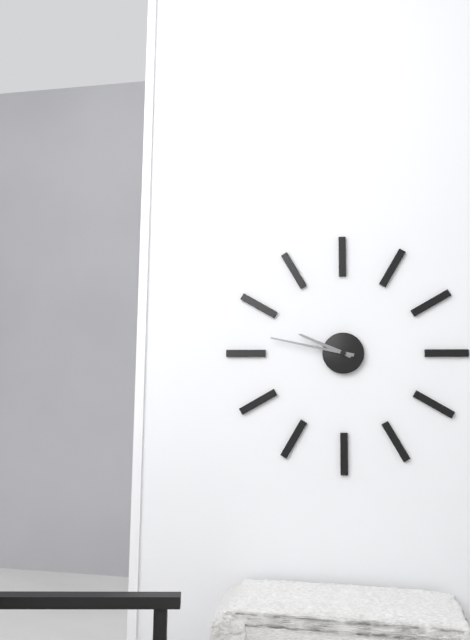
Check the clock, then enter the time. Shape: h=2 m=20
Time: h=9 m=47
